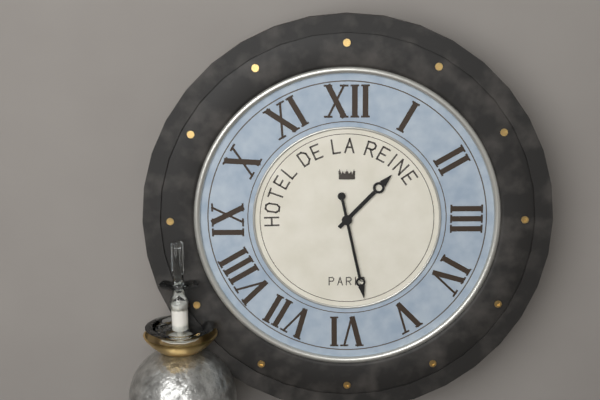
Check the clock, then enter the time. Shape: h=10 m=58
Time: h=1 m=28
